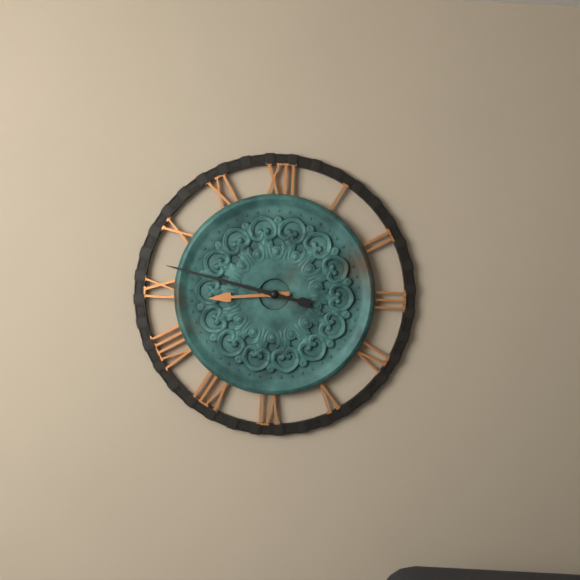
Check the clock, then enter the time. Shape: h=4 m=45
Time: h=8 m=47
